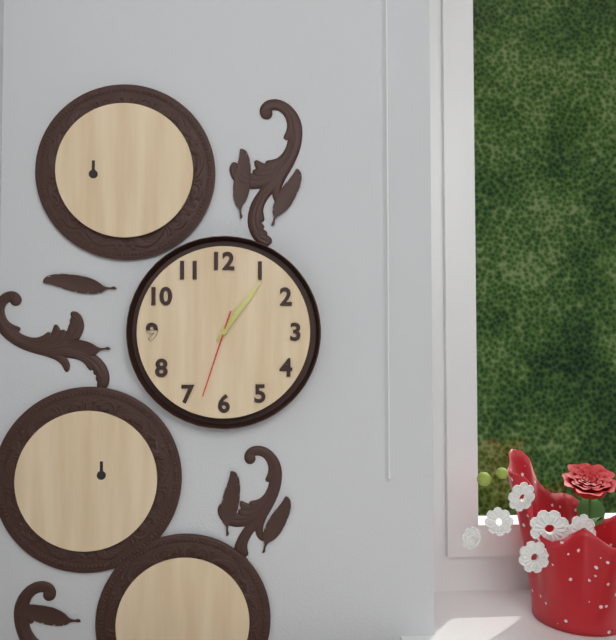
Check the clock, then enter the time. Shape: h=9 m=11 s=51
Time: h=1 m=6 s=33
